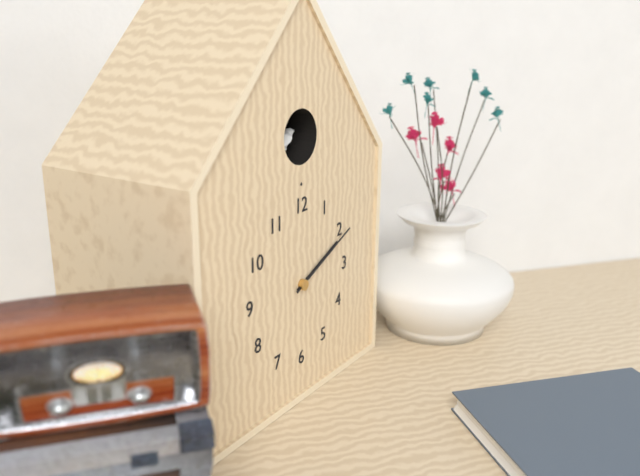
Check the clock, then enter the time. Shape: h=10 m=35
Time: h=2 m=11
